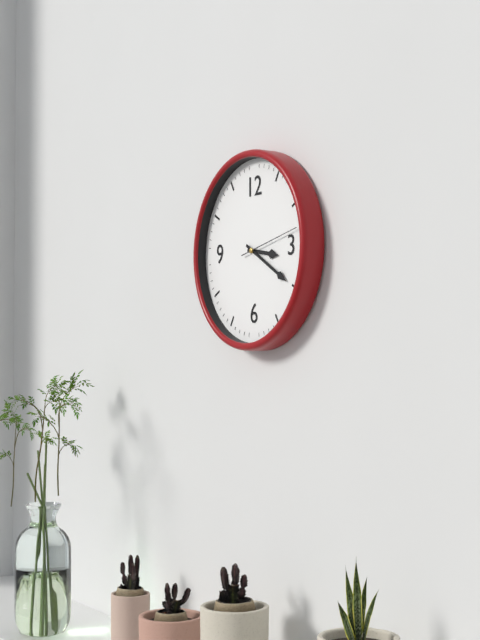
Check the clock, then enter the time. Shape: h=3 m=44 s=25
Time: h=3 m=20 s=13
